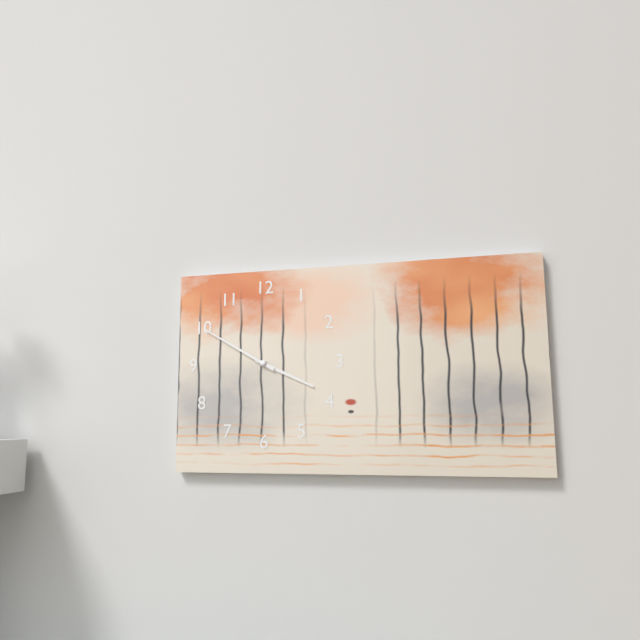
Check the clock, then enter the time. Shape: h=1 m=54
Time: h=3 m=50
